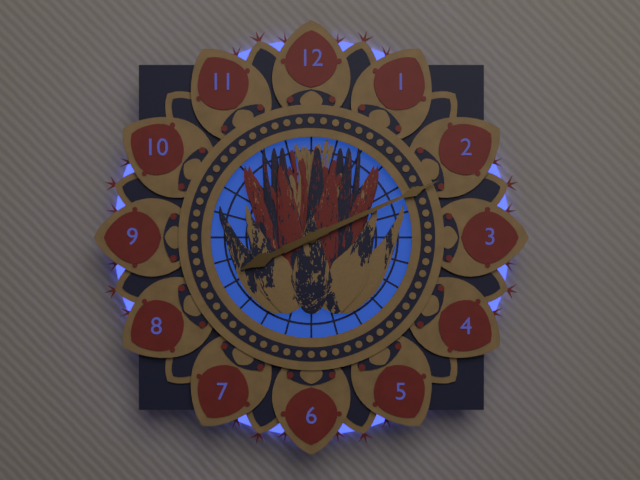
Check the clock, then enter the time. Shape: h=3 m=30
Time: h=8 m=11
